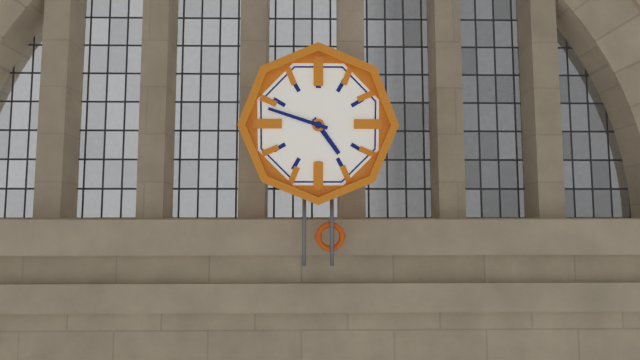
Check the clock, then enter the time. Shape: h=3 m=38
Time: h=4 m=48
